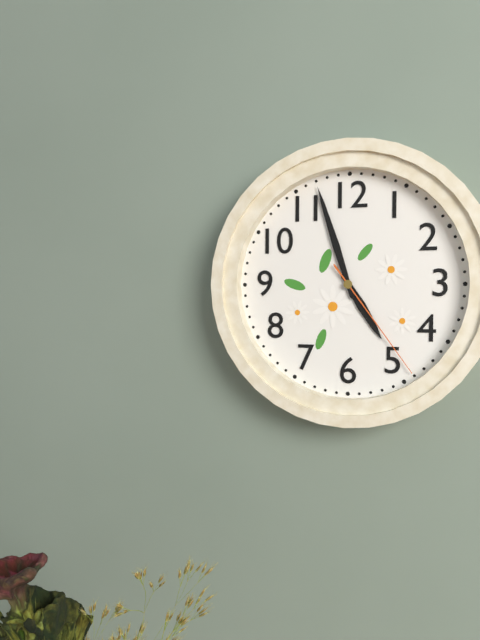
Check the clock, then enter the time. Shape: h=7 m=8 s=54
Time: h=4 m=57 s=24
